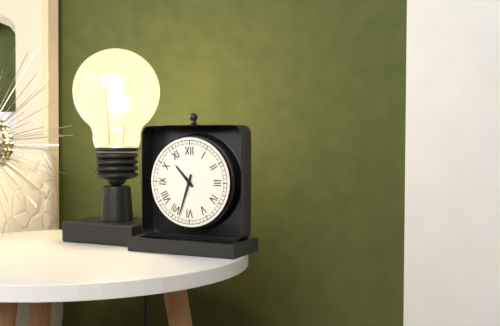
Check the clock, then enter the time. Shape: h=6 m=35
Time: h=10 m=33
